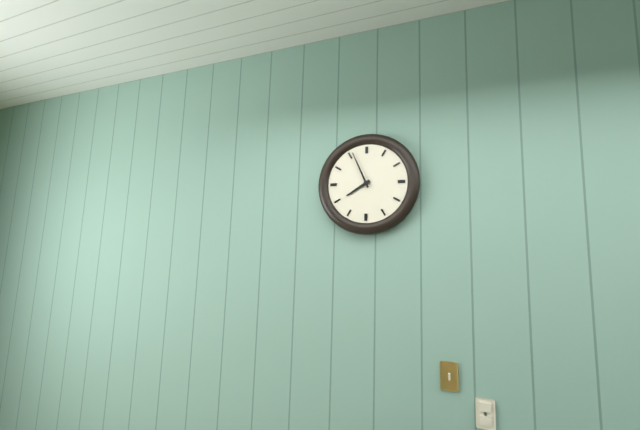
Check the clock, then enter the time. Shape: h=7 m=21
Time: h=7 m=56
